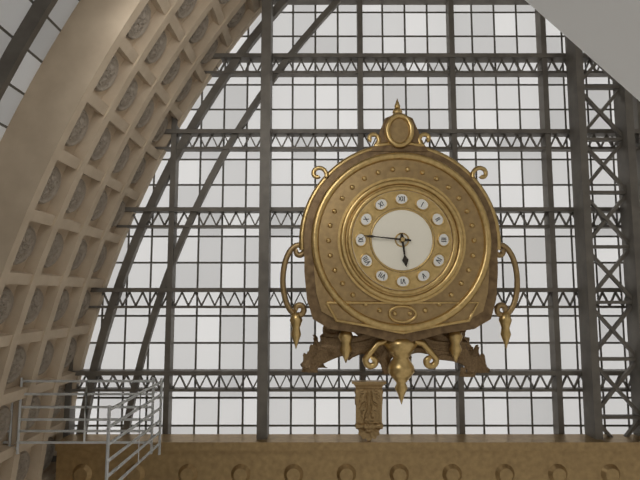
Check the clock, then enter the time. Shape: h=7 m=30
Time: h=5 m=46
